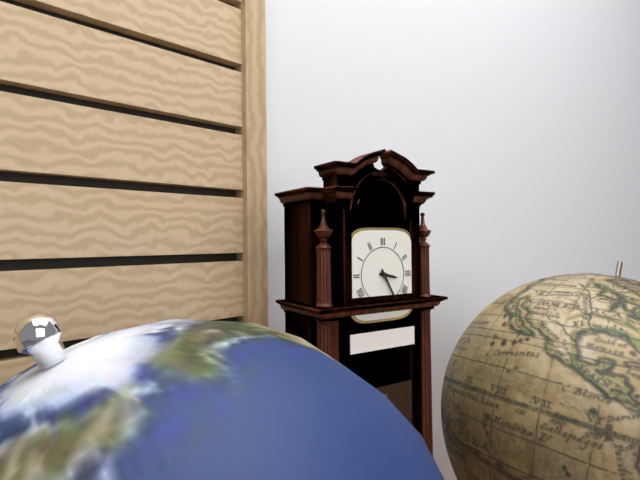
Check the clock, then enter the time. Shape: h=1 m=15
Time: h=3 m=25
